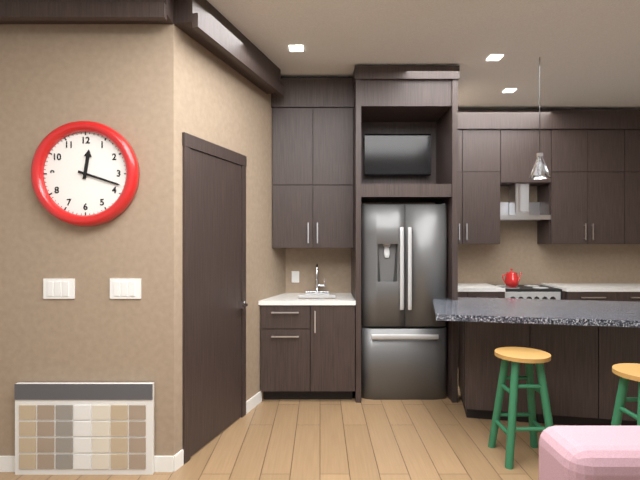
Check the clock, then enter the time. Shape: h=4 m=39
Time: h=12 m=18
